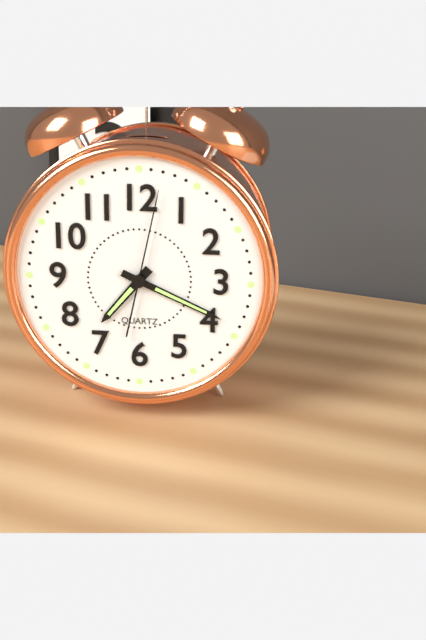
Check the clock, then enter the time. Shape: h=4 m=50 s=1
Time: h=7 m=19 s=2
